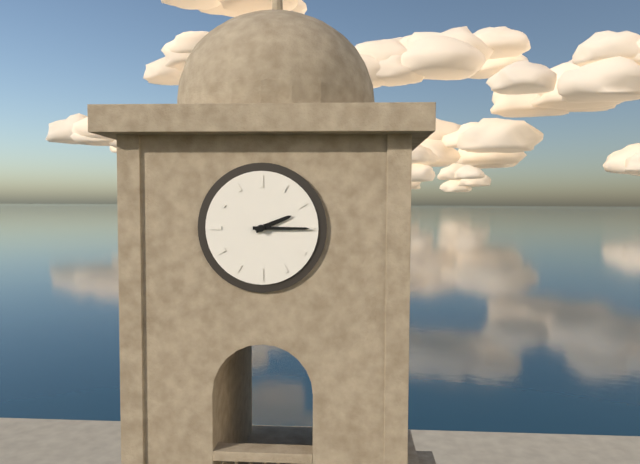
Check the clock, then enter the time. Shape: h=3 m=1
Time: h=2 m=15
